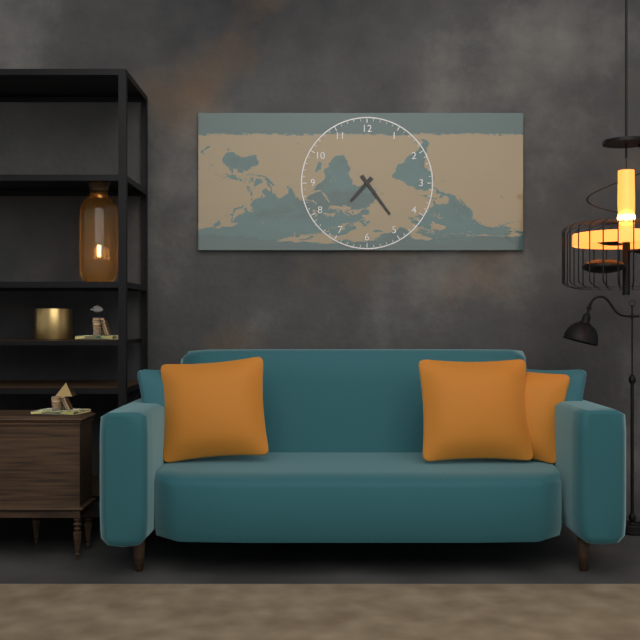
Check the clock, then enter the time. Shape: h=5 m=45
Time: h=7 m=24
